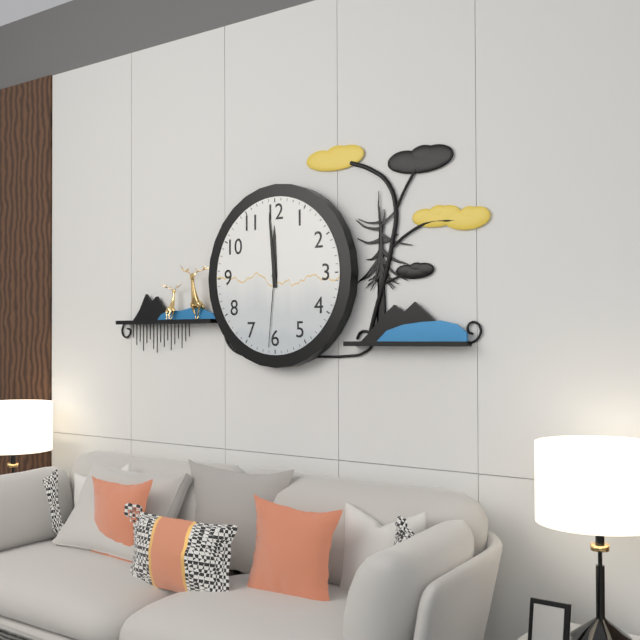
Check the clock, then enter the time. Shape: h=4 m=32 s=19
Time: h=11 m=59 s=31
